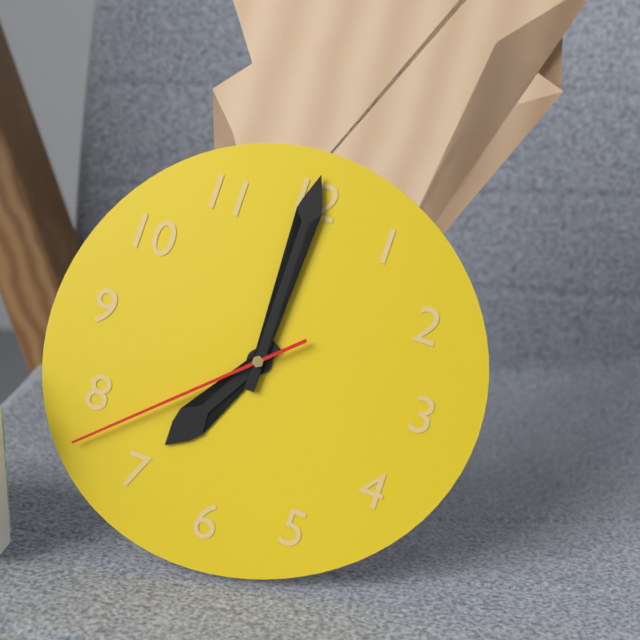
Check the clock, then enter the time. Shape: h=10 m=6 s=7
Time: h=7 m=0 s=38
